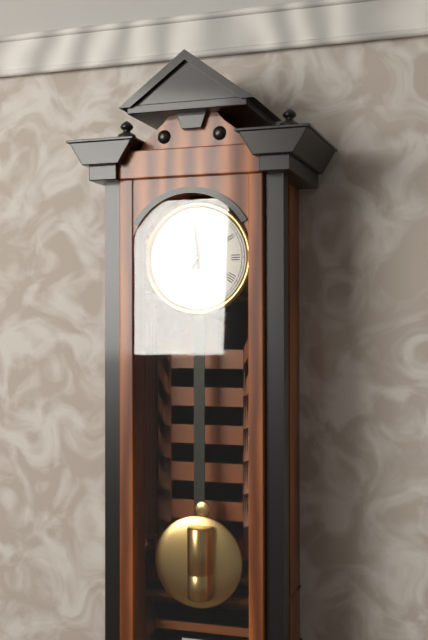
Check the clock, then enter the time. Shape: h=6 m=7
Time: h=6 m=59
